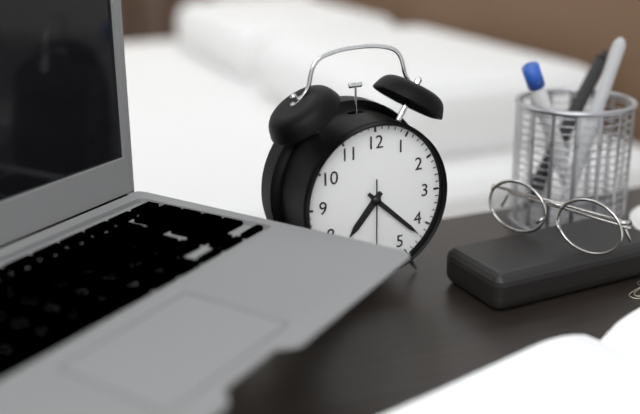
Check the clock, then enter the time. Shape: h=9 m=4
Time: h=7 m=22
